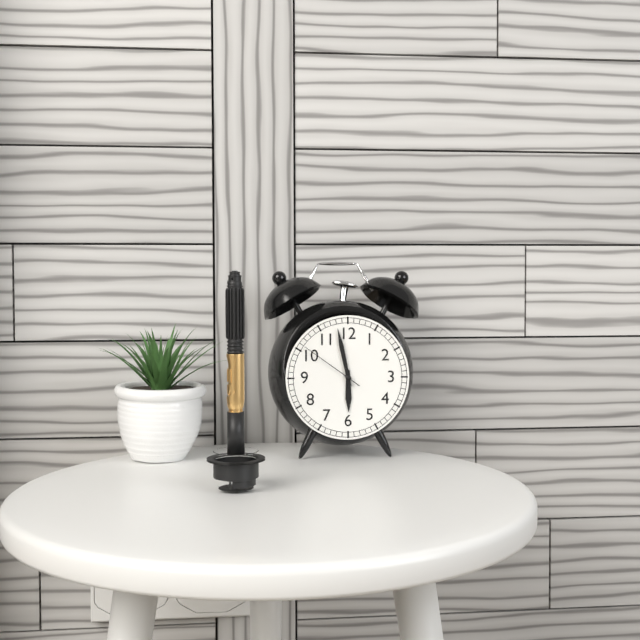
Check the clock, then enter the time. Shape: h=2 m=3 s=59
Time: h=5 m=58 s=51
